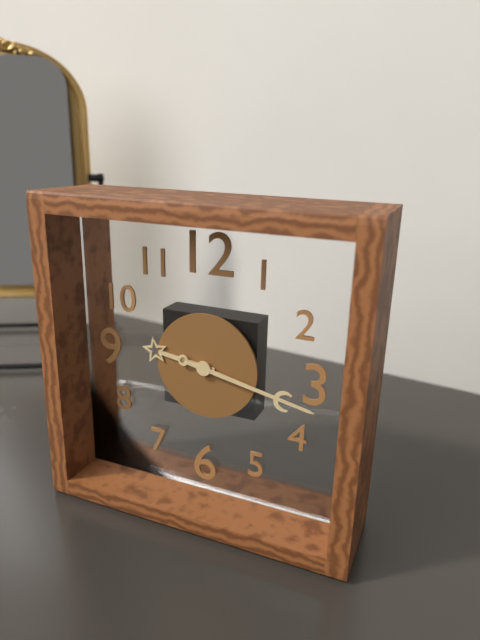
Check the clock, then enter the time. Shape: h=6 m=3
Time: h=9 m=17
